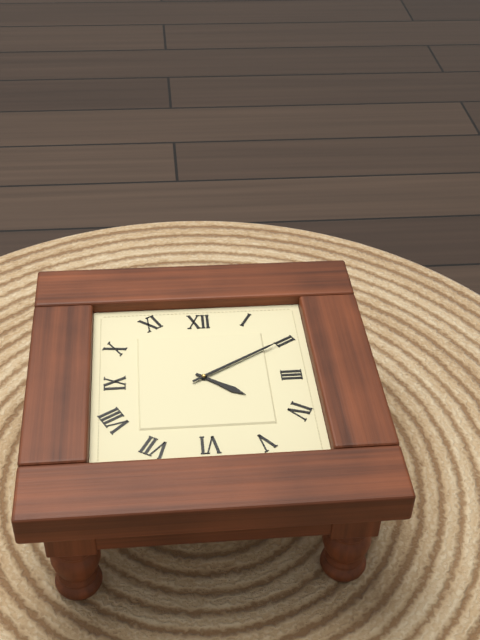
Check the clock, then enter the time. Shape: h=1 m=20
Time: h=4 m=10
